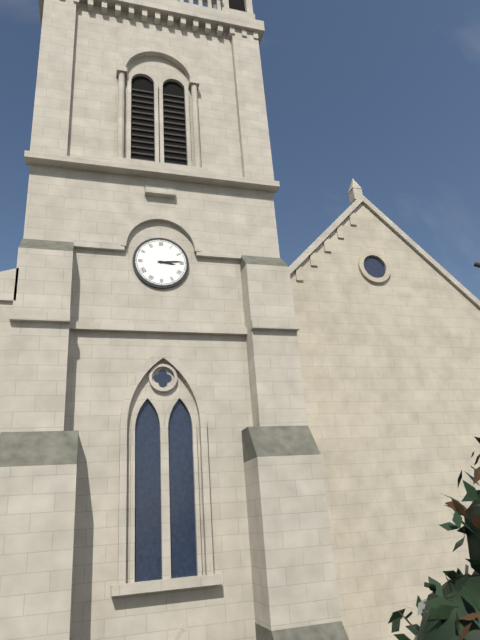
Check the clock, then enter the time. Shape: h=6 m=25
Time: h=3 m=14
